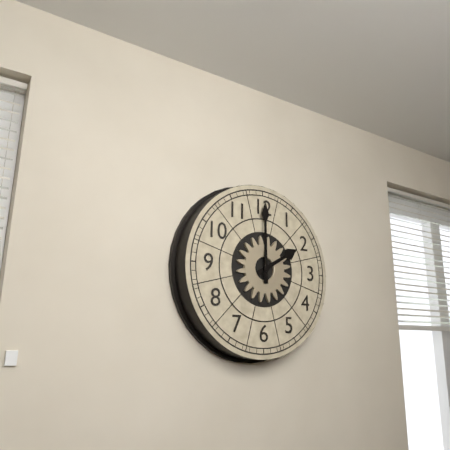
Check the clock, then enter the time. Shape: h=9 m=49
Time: h=2 m=0
